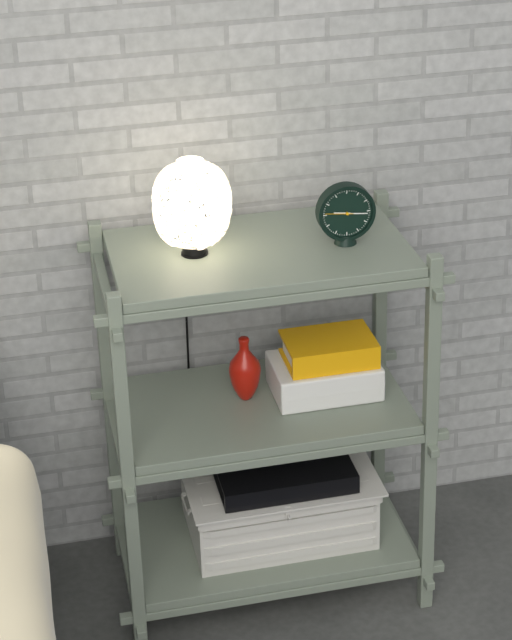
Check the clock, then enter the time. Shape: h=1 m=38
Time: h=9 m=16
